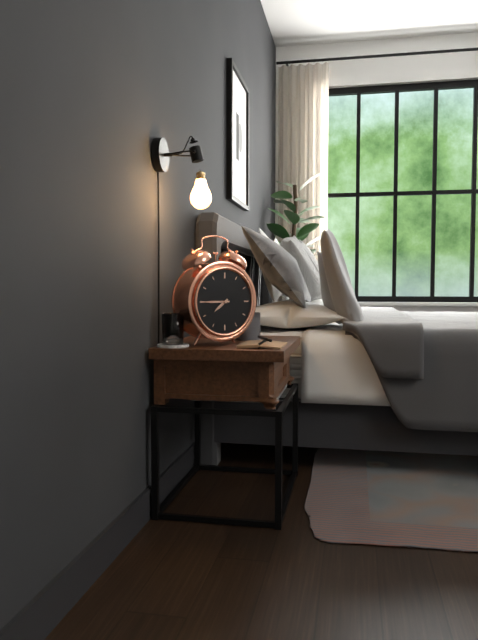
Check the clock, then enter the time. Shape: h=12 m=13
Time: h=7 m=45
